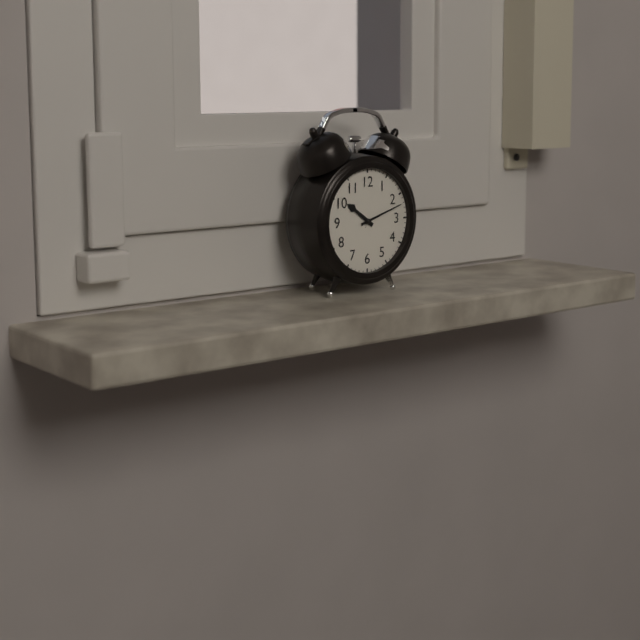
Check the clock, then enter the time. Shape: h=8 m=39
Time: h=10 m=12
